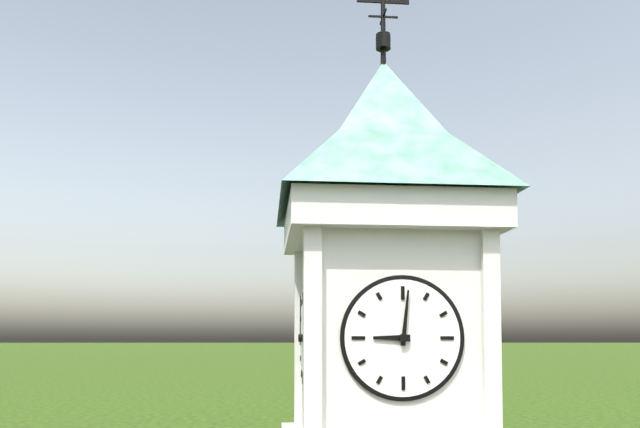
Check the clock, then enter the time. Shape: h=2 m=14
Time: h=9 m=1
